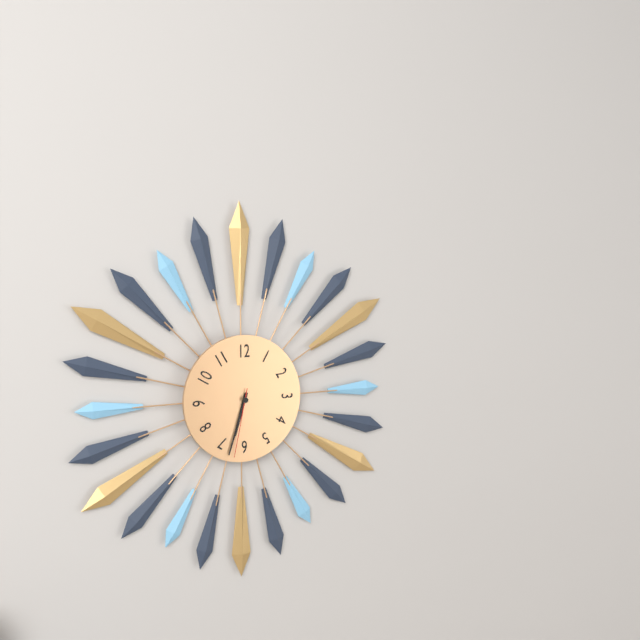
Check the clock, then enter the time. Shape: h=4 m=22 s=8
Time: h=6 m=33 s=32
